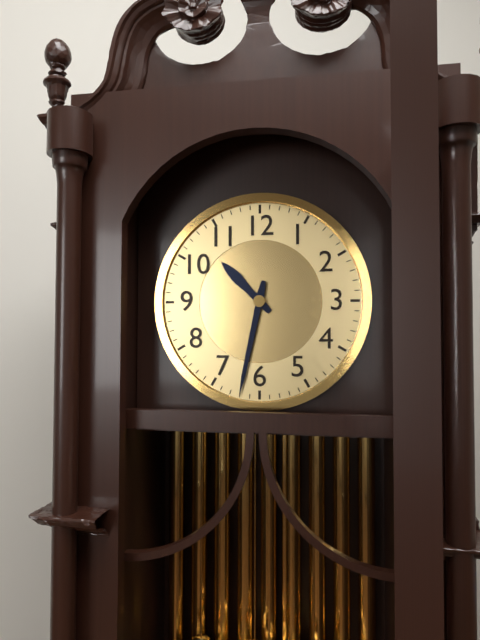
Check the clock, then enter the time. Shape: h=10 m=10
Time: h=10 m=32
